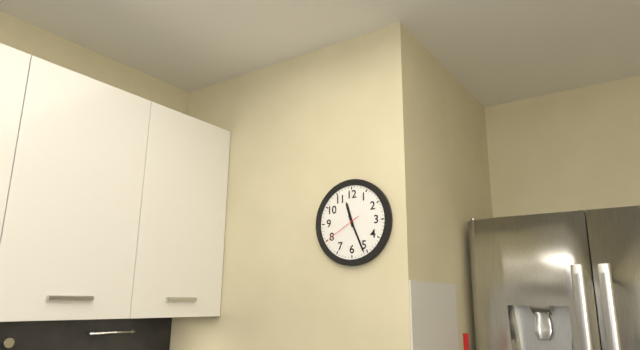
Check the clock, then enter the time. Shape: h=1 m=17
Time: h=11 m=26
